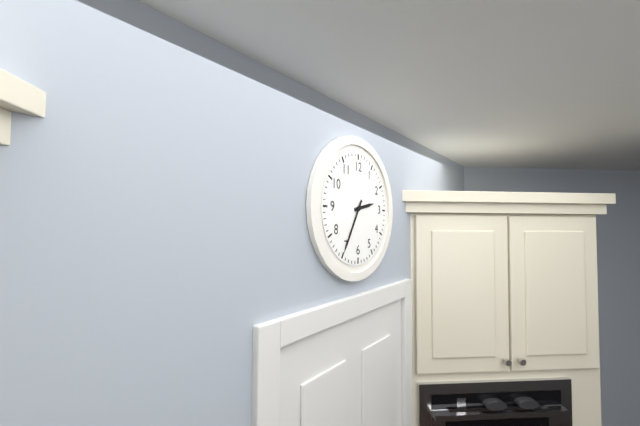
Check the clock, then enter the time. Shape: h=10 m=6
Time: h=2 m=35
